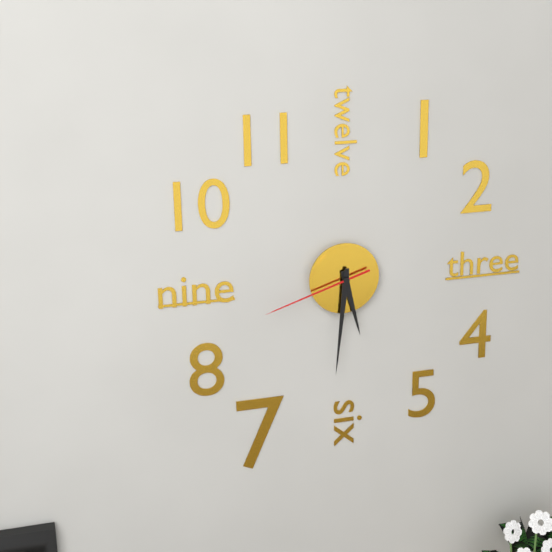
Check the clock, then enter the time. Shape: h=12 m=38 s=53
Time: h=5 m=31 s=42
